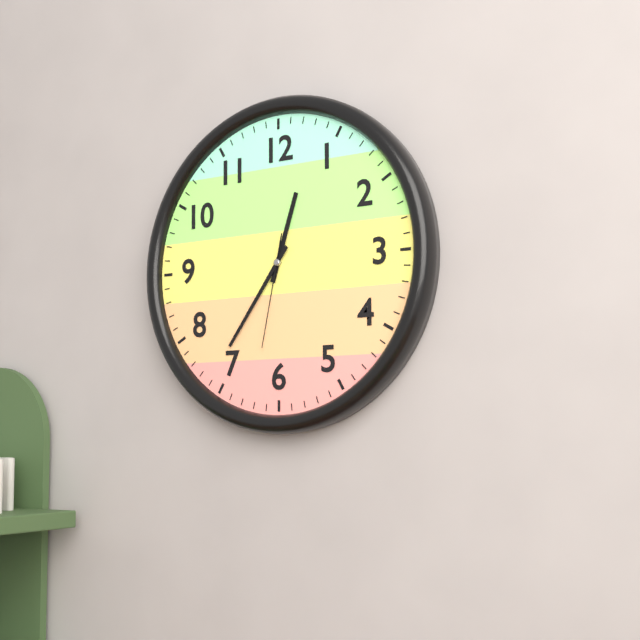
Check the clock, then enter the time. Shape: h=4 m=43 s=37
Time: h=12 m=36 s=32
